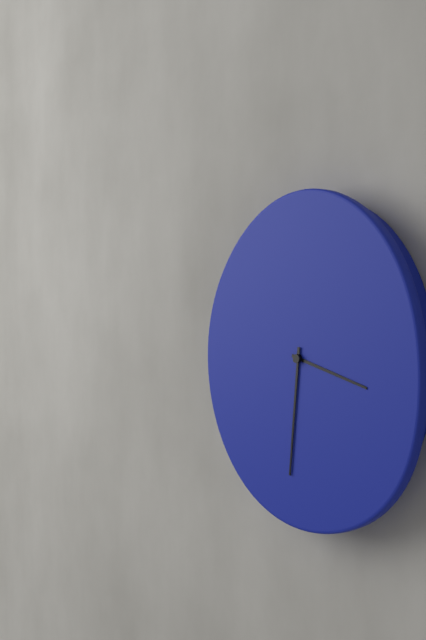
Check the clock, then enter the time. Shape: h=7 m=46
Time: h=3 m=31
